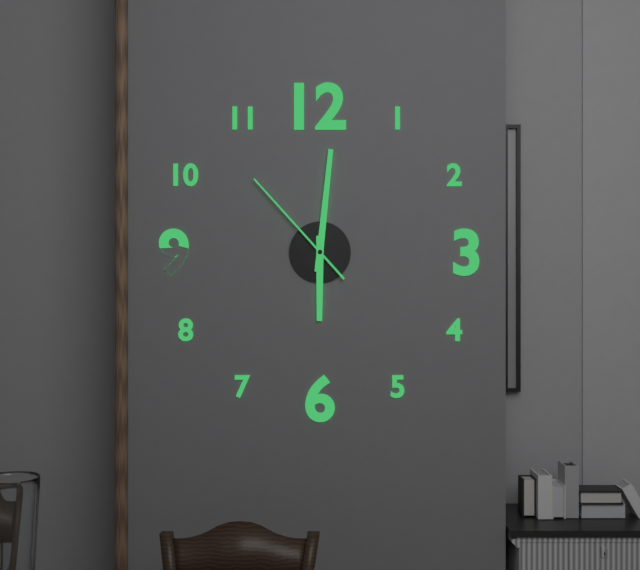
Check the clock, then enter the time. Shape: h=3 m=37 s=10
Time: h=6 m=1 s=53
